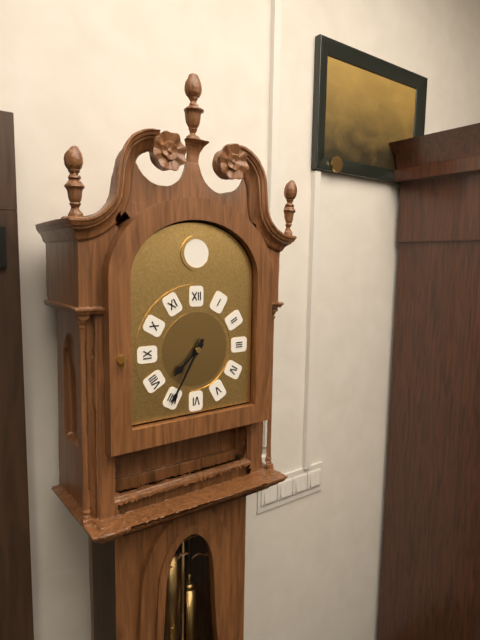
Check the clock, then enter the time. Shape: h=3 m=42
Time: h=7 m=35
